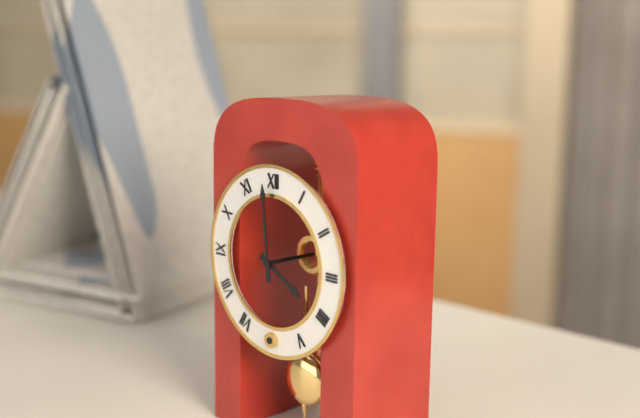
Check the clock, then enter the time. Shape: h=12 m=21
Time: h=3 m=59
